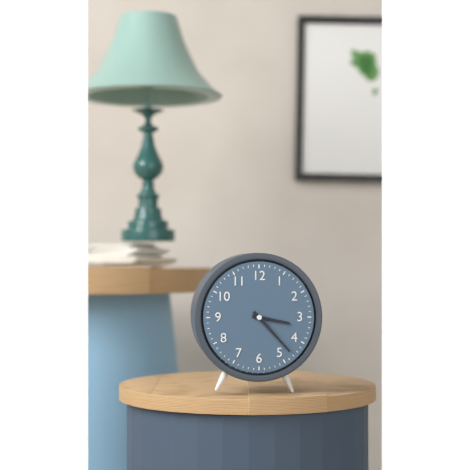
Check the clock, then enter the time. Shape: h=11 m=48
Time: h=3 m=23
